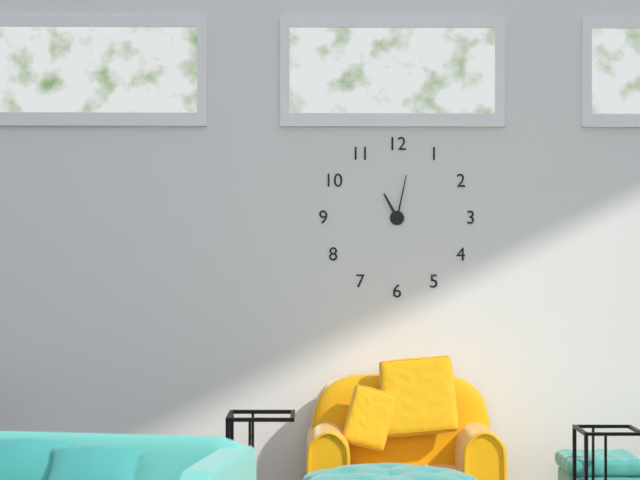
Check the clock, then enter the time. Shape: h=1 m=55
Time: h=11 m=2
